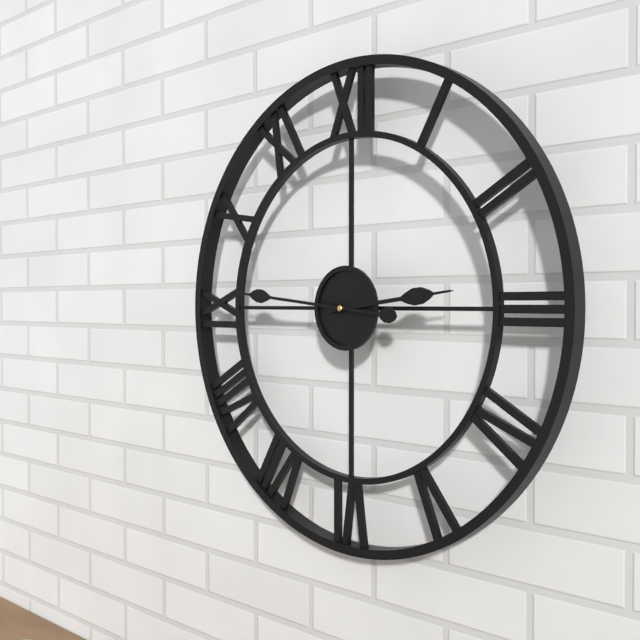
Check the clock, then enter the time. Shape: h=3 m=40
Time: h=2 m=46
